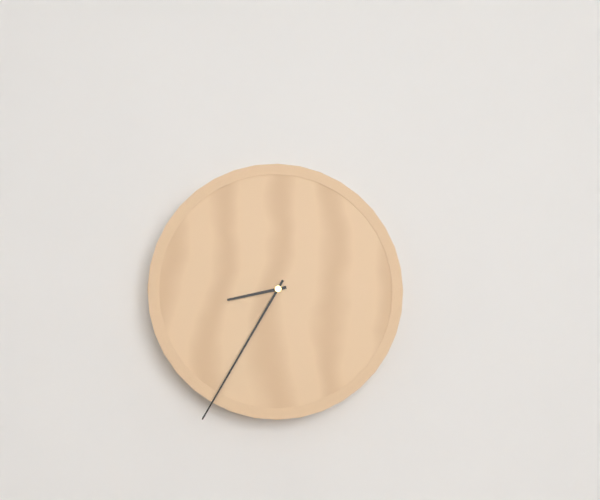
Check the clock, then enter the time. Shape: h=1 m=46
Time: h=8 m=35
